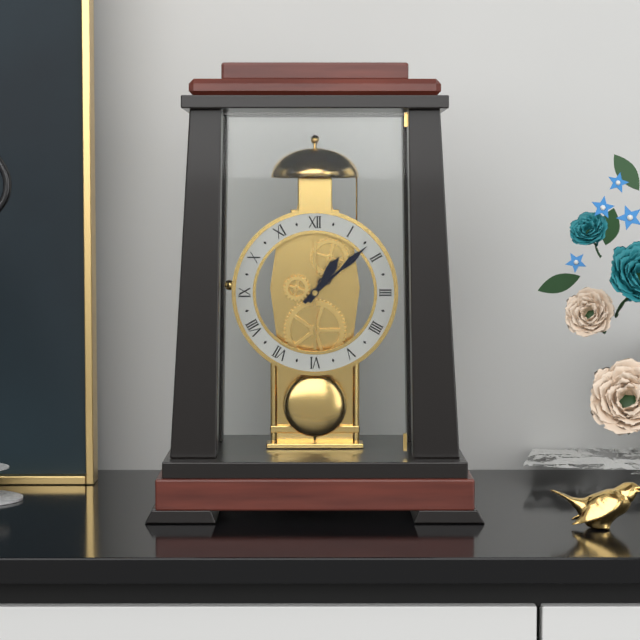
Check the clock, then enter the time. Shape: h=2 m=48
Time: h=1 m=8
